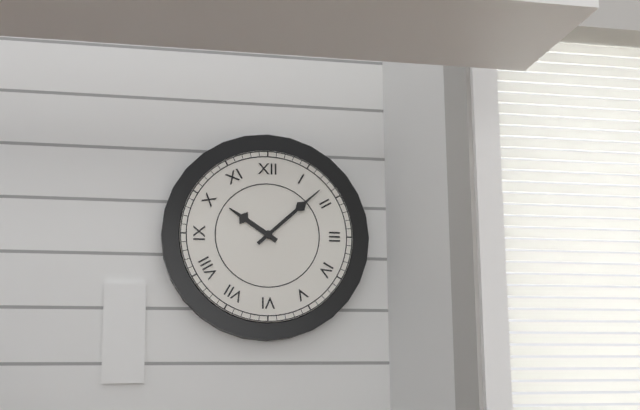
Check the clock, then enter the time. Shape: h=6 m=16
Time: h=10 m=8
